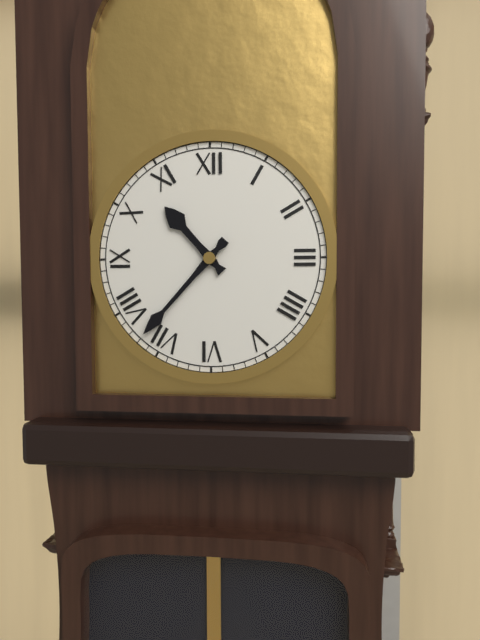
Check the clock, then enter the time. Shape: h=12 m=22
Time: h=10 m=37
